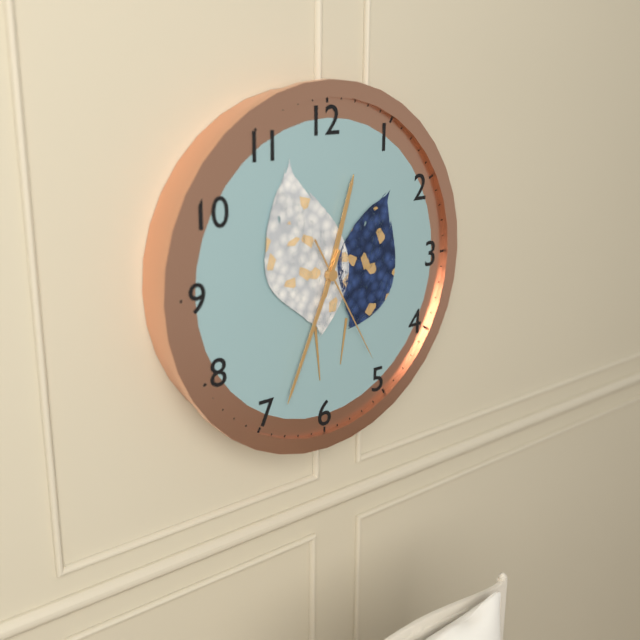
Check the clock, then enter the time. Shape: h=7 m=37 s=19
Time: h=12 m=34 s=25
